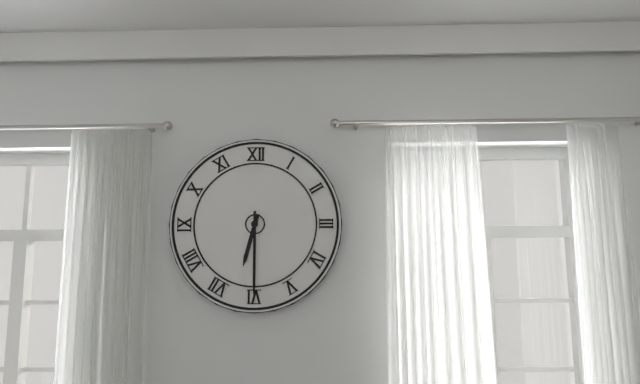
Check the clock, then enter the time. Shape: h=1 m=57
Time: h=6 m=30
